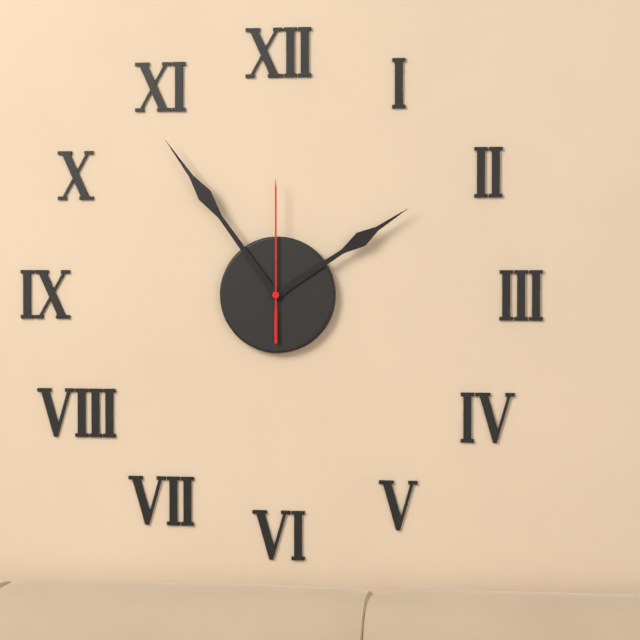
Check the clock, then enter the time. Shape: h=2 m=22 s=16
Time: h=1 m=54 s=0
